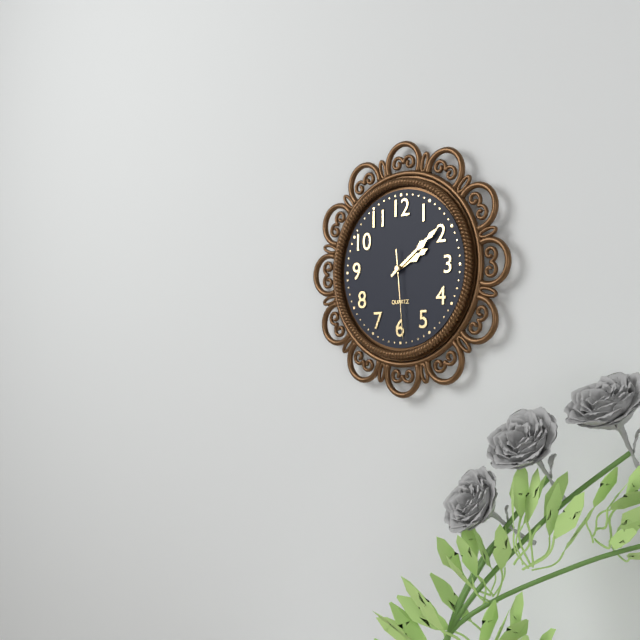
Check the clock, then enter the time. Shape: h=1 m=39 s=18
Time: h=2 m=9 s=29
